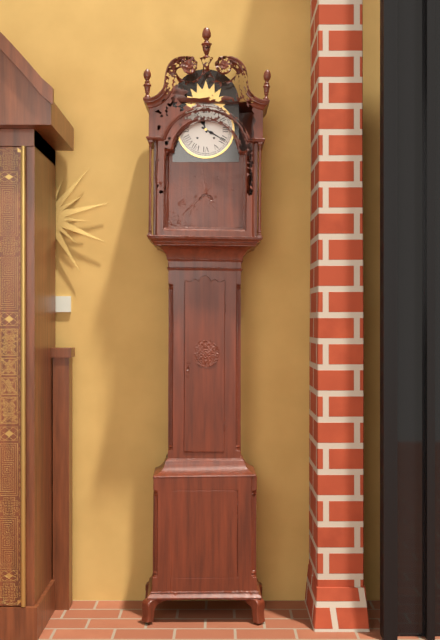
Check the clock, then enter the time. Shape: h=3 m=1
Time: h=11 m=20
